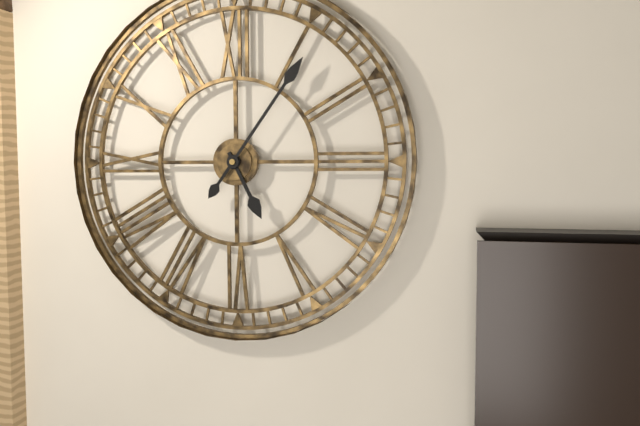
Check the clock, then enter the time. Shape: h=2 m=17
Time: h=5 m=6
